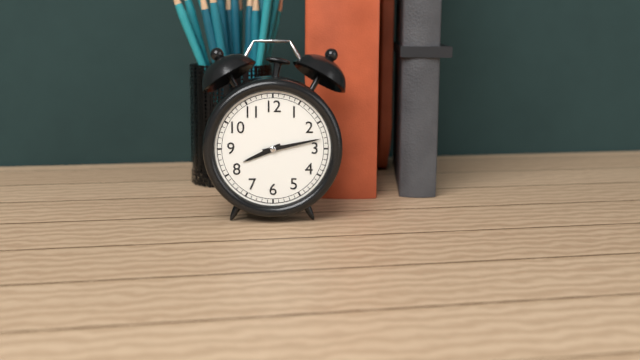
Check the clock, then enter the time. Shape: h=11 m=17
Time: h=8 m=13
